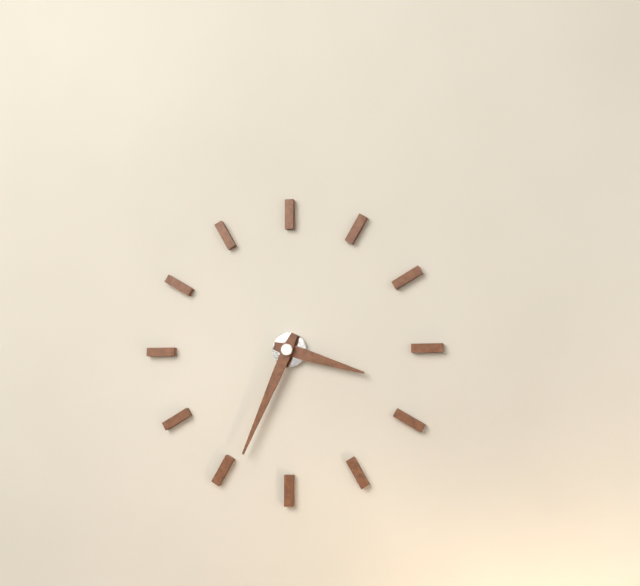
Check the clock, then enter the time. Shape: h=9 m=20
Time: h=3 m=34
